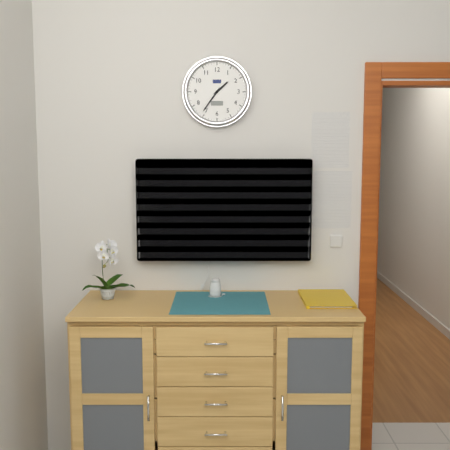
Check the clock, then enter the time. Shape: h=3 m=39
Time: h=1 m=36
